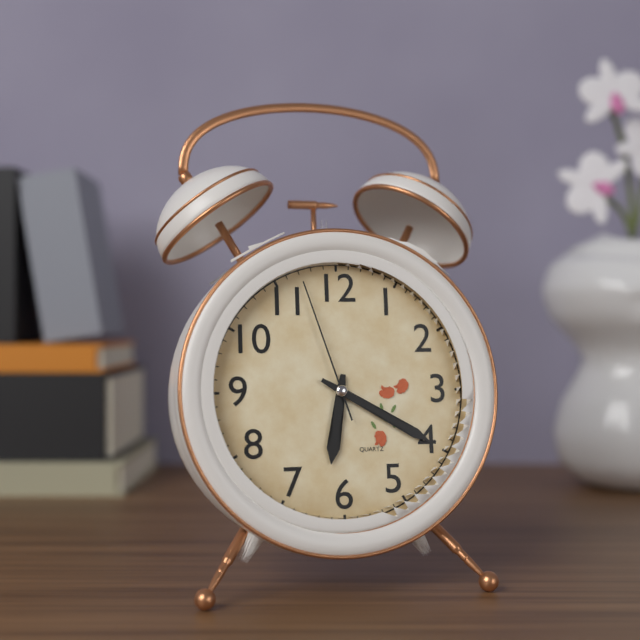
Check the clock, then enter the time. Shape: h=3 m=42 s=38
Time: h=6 m=20 s=57
